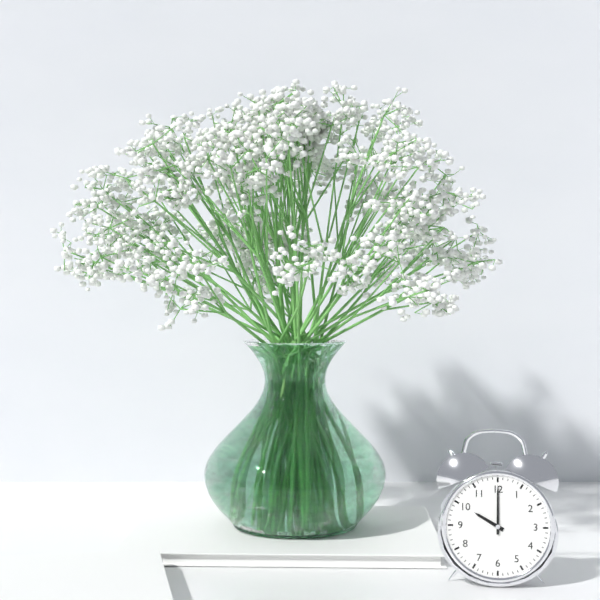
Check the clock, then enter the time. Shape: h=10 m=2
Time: h=10 m=0
